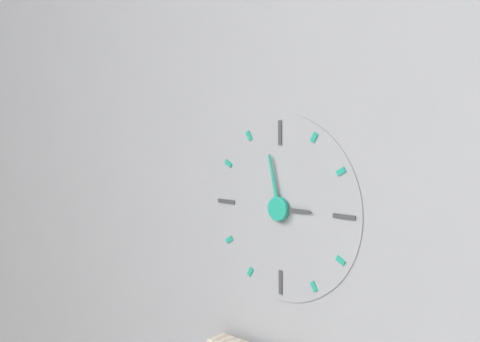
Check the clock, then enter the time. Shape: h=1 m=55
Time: h=2 m=58
